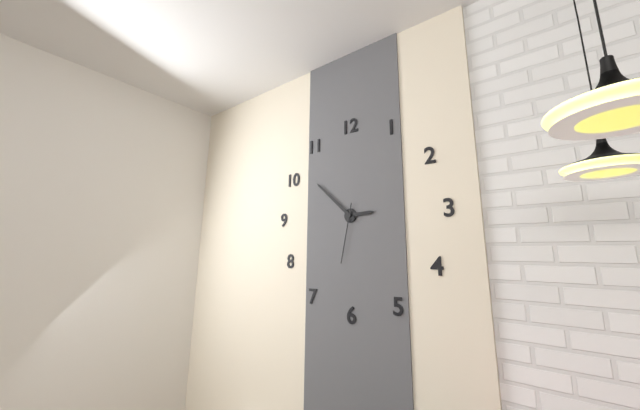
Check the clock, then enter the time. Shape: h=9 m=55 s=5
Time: h=2 m=52 s=32
